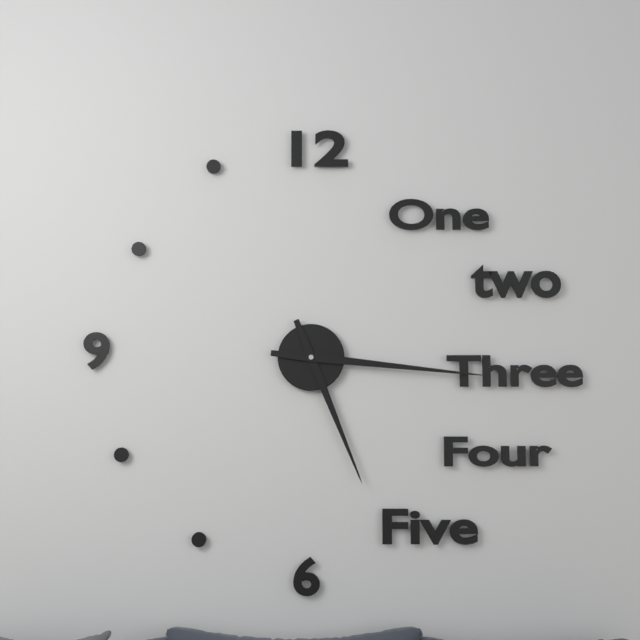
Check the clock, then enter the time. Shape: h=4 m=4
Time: h=5 m=16
